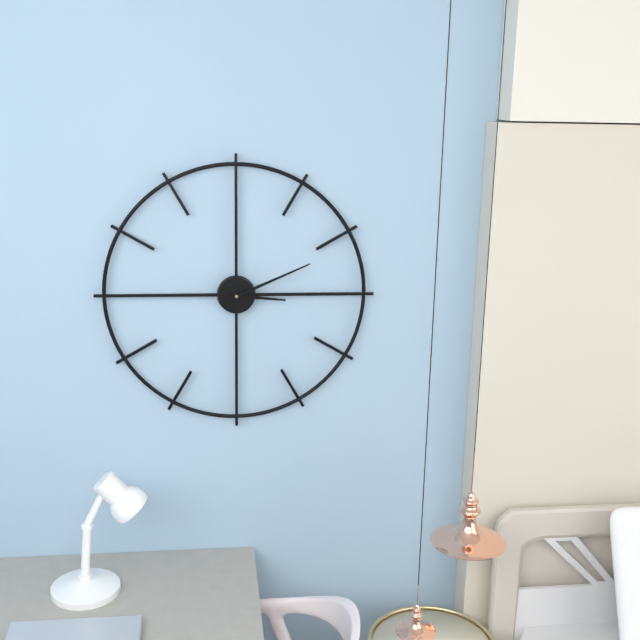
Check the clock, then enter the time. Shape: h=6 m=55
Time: h=3 m=11
